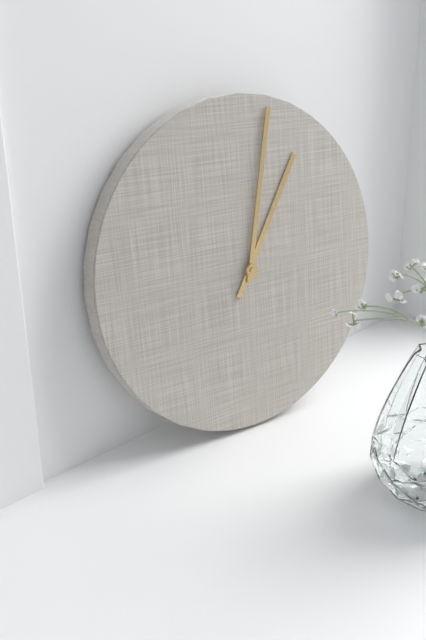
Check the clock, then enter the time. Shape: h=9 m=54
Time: h=1 m=2
